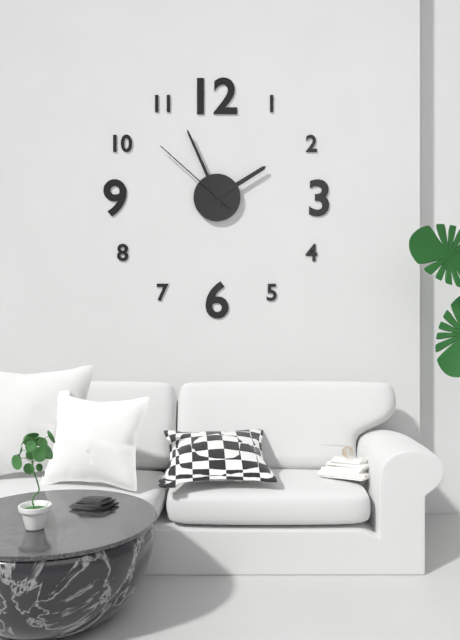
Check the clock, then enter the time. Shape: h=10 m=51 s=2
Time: h=1 m=56 s=52
